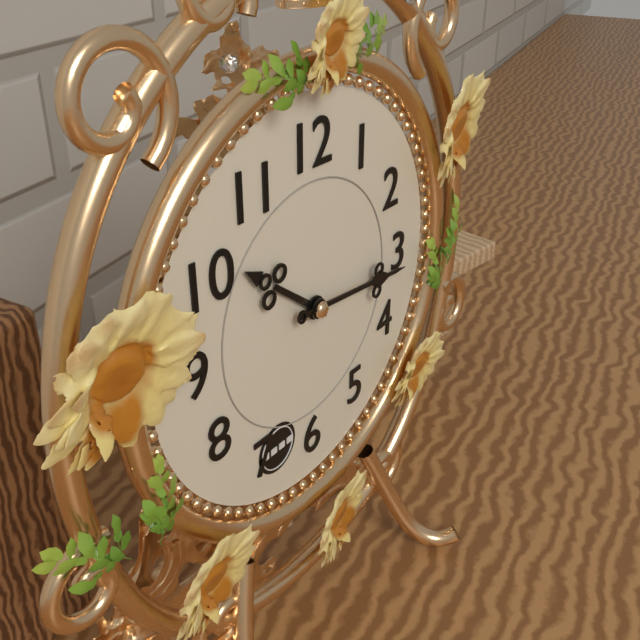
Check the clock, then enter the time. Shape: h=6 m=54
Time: h=10 m=16
